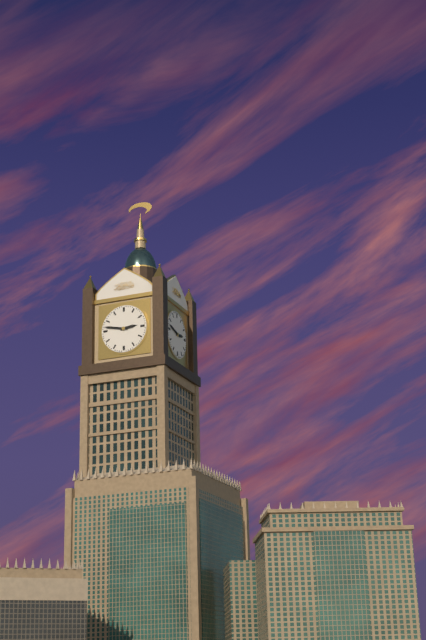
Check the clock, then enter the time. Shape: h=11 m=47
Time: h=2 m=47
